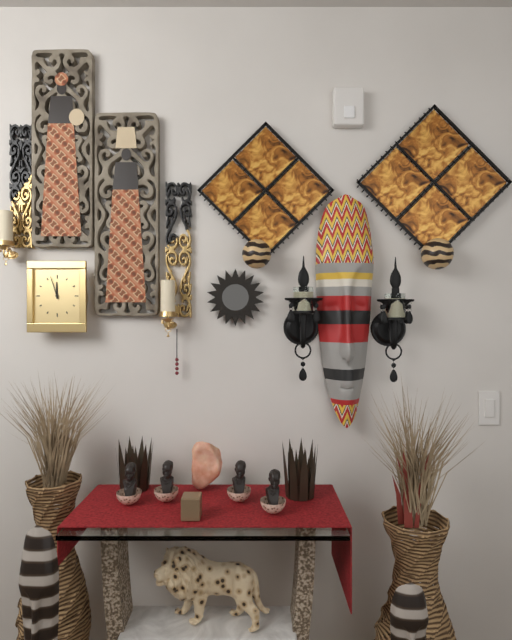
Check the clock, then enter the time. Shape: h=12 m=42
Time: h=11 m=57
